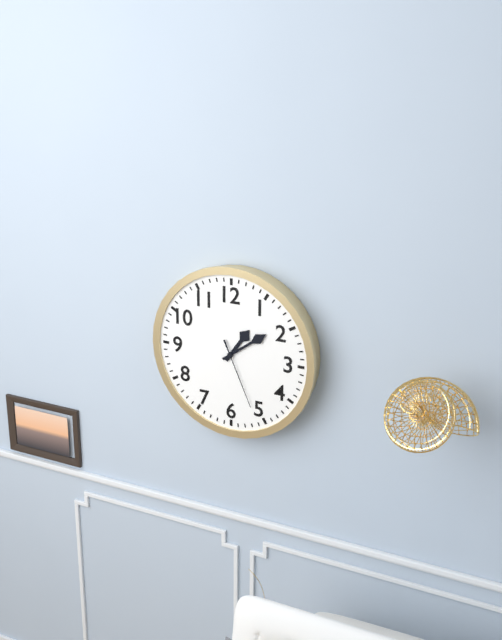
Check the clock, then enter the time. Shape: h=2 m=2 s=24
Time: h=1 m=9 s=26
